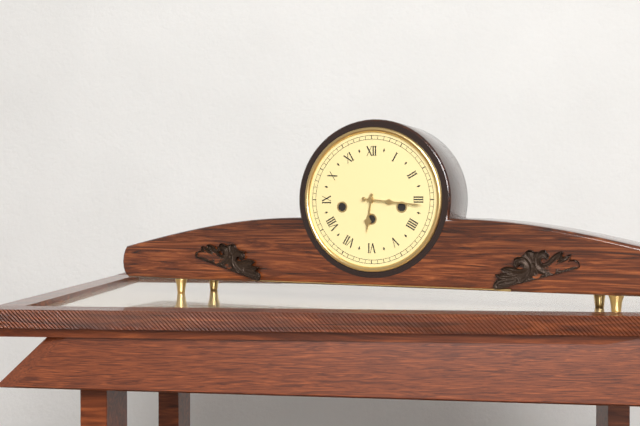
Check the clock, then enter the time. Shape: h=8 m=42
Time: h=6 m=16
